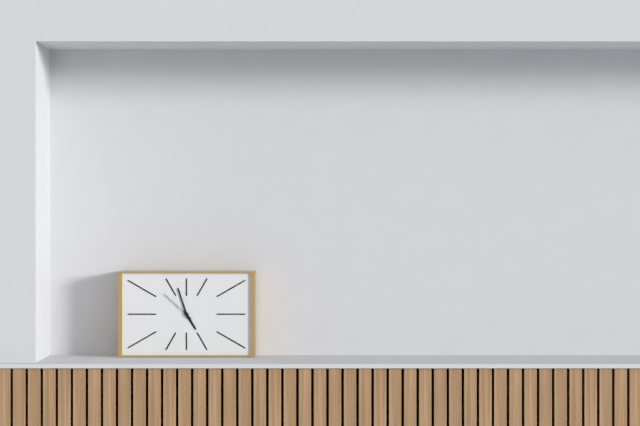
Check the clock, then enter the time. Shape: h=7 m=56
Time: h=4 m=57
